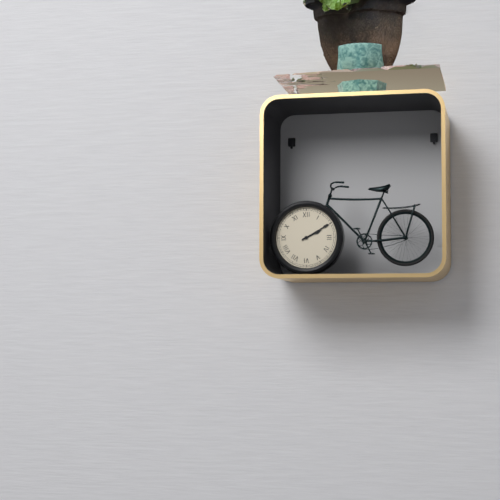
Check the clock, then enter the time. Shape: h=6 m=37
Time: h=2 m=10
